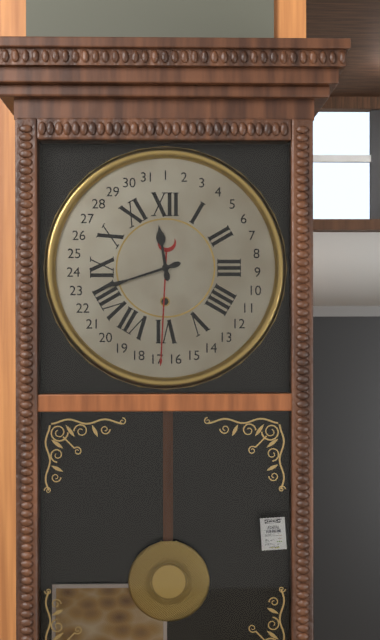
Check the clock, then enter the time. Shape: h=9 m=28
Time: h=11 m=42
